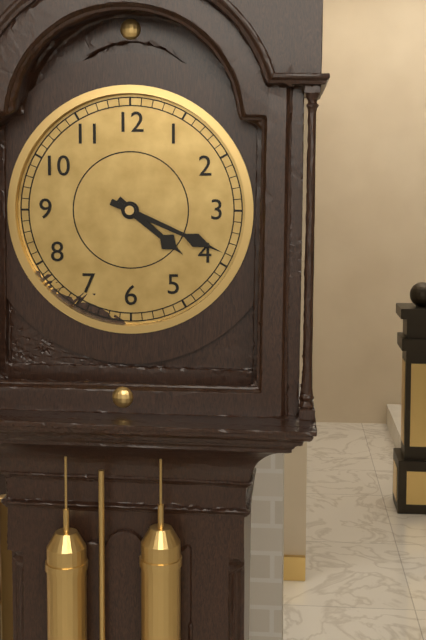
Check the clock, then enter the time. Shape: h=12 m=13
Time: h=4 m=19
